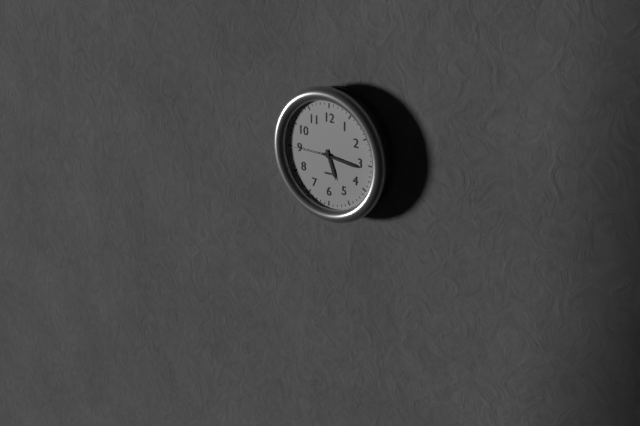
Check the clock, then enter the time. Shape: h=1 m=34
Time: h=5 m=16
